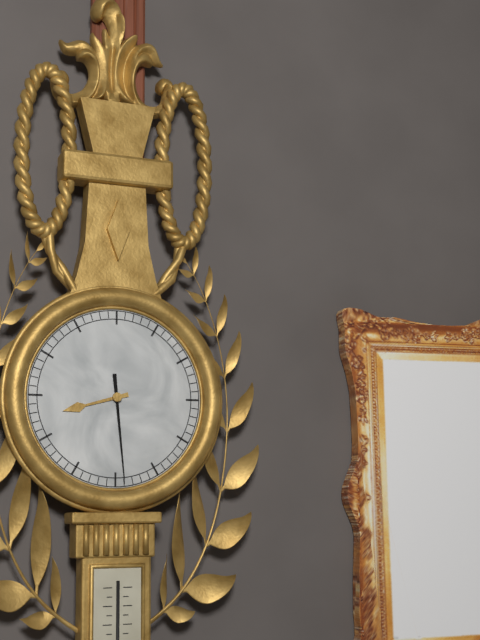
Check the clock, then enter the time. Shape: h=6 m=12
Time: h=8 m=29
